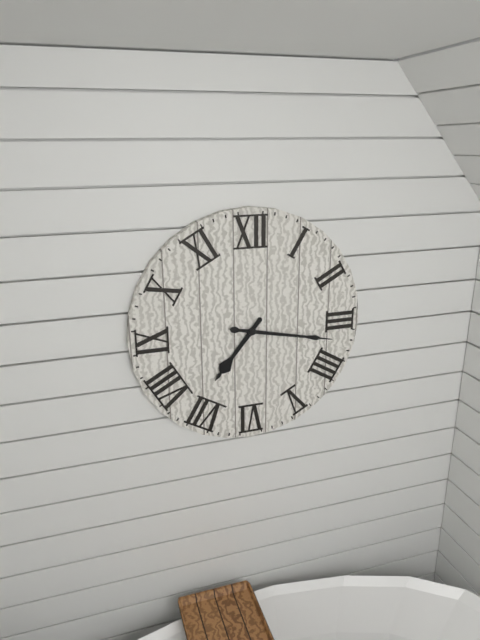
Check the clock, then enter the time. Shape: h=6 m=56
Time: h=7 m=17
